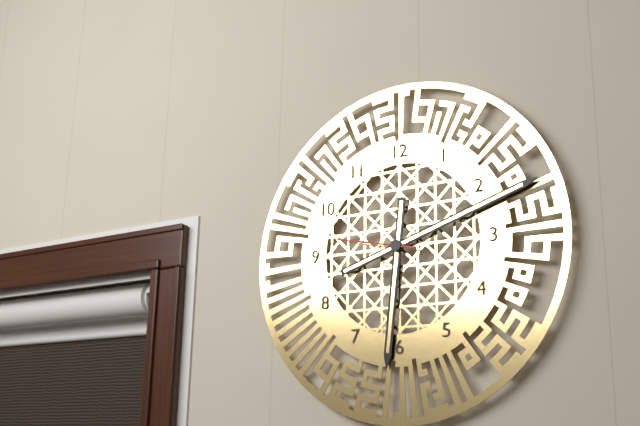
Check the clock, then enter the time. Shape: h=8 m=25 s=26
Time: h=6 m=12 s=47
